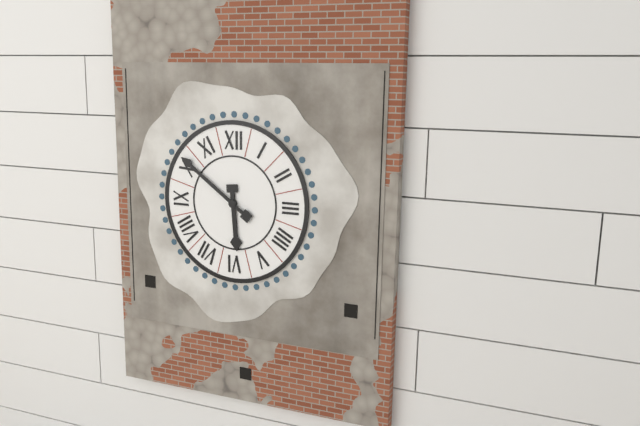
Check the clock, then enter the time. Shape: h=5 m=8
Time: h=5 m=51
